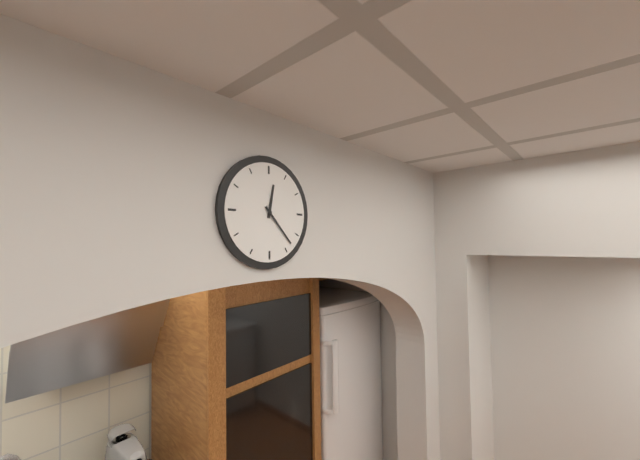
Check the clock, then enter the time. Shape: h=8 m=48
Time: h=12 m=23
